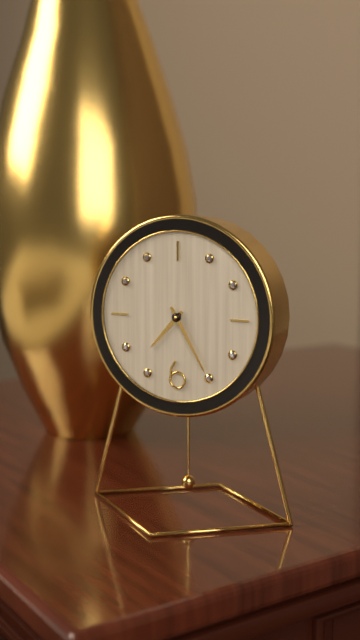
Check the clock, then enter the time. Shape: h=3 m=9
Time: h=7 m=25
